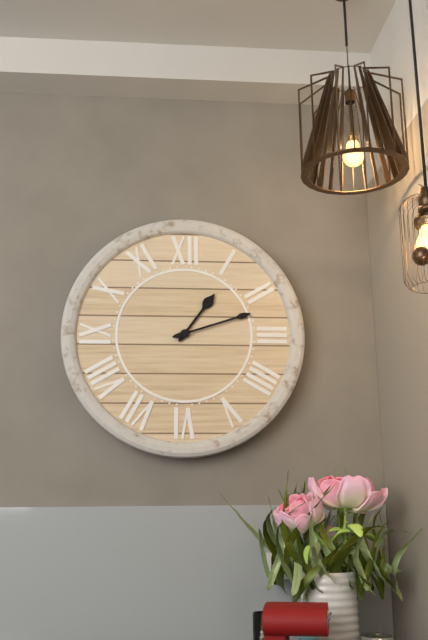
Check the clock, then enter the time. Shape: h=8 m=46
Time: h=1 m=12
